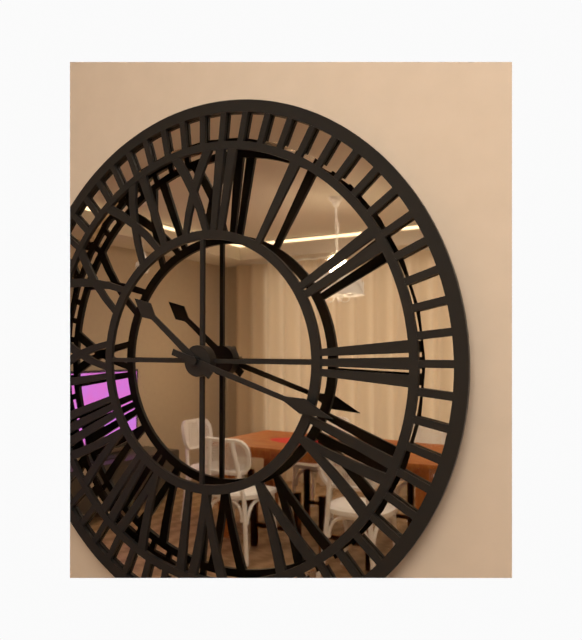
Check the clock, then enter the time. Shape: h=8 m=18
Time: h=10 m=18
